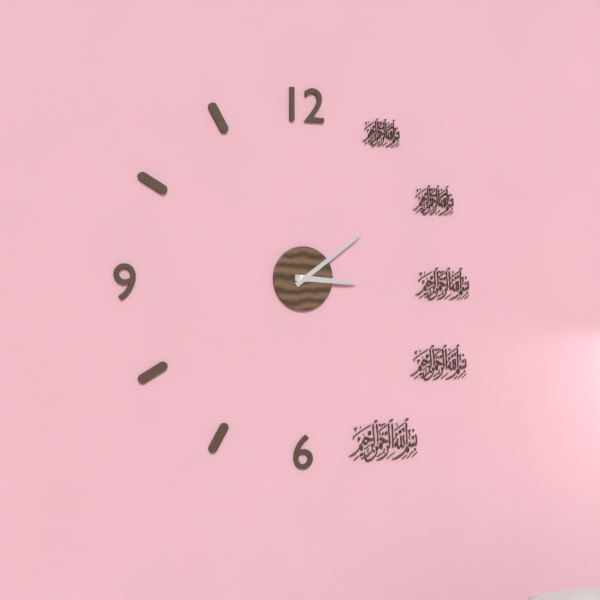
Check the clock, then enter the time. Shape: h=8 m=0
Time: h=3 m=9
